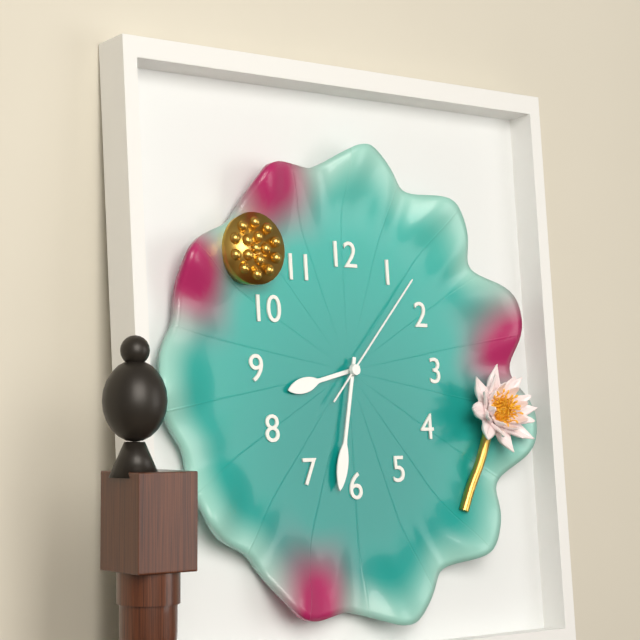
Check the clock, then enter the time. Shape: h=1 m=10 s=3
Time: h=8 m=32 s=7
